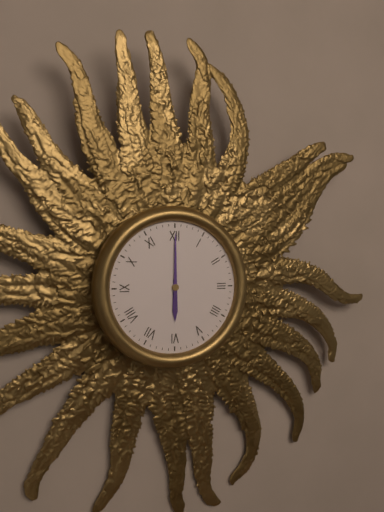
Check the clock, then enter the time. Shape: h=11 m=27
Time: h=6 m=0
